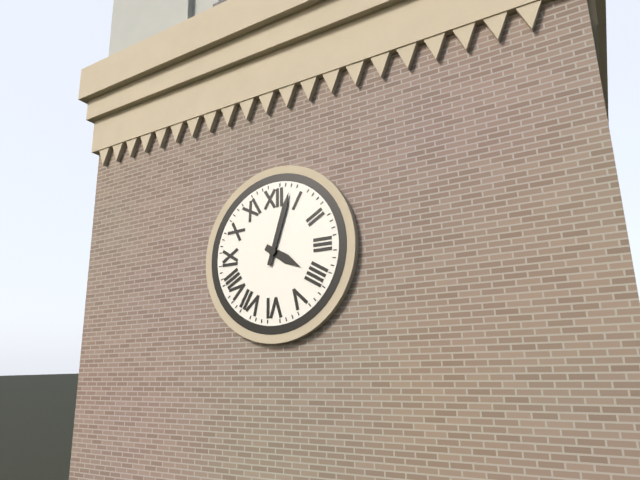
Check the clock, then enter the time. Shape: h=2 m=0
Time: h=4 m=3
